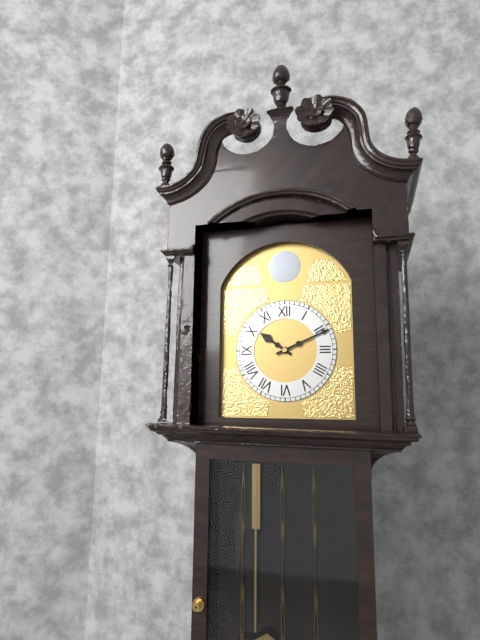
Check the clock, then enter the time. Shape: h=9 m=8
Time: h=10 m=11
